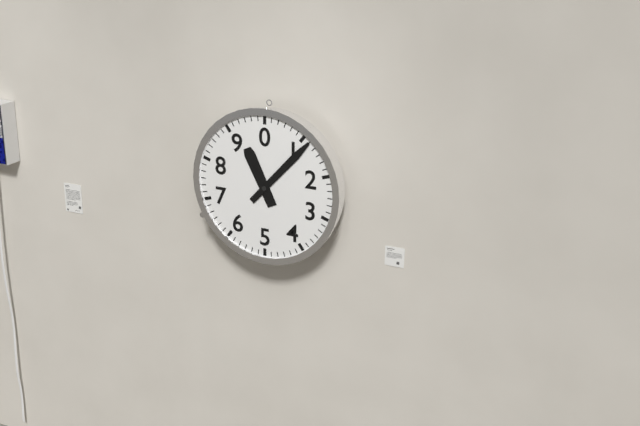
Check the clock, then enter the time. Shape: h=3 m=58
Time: h=11 m=7
